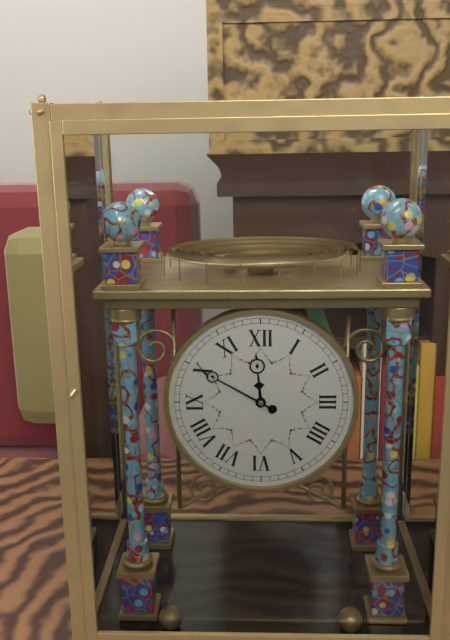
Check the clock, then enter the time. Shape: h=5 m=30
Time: h=11 m=50
